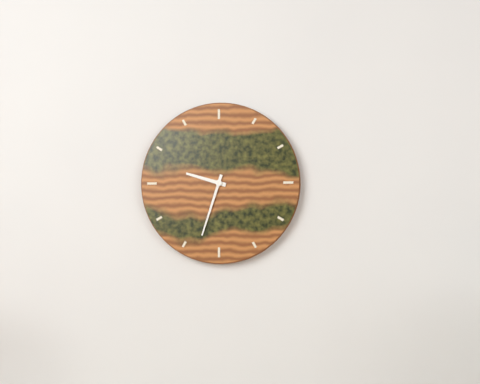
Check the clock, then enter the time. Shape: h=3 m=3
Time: h=9 m=33
